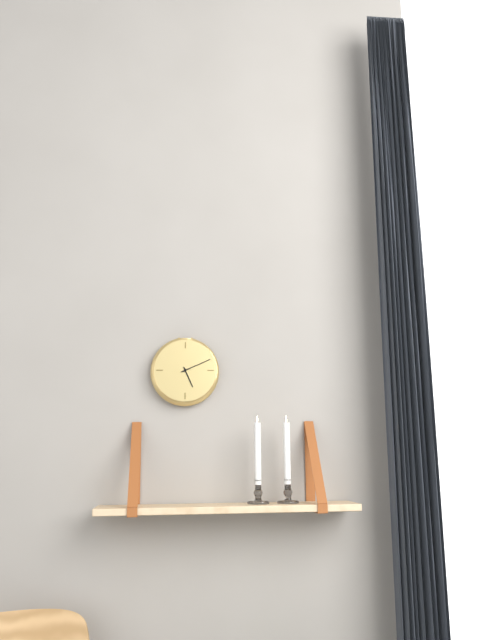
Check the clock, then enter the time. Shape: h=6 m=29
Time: h=5 m=11
